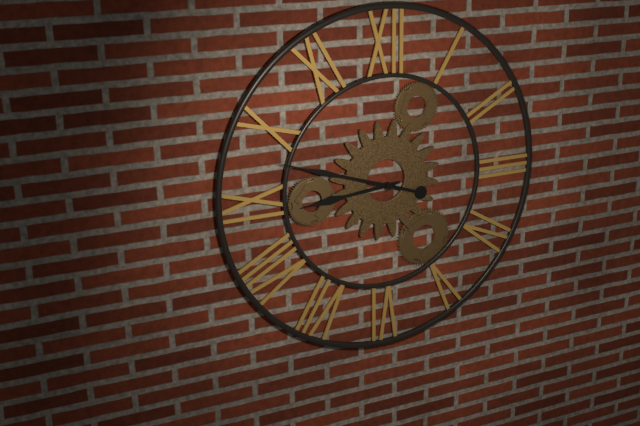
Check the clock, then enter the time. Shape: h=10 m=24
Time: h=8 m=48
